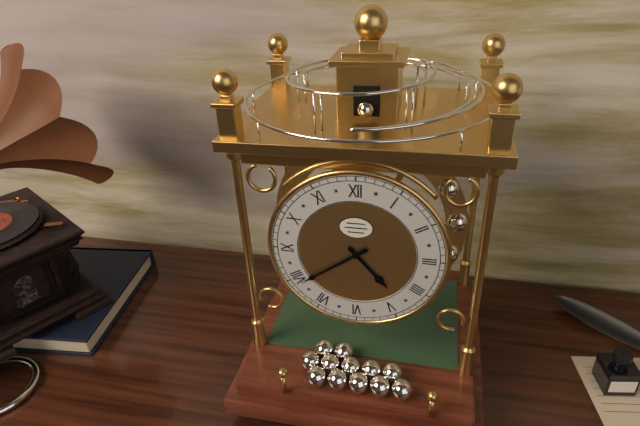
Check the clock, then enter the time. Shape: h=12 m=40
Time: h=4 m=39
